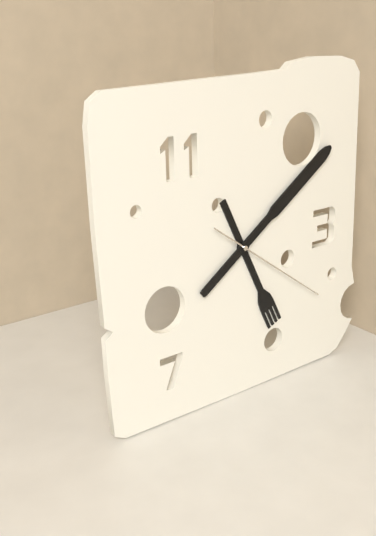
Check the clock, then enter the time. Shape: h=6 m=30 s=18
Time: h=5 m=9 s=21
